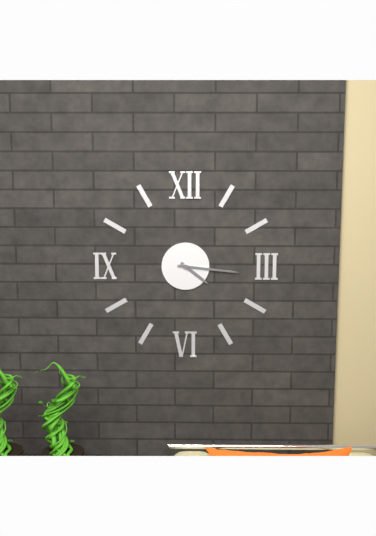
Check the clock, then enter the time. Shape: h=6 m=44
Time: h=4 m=16
